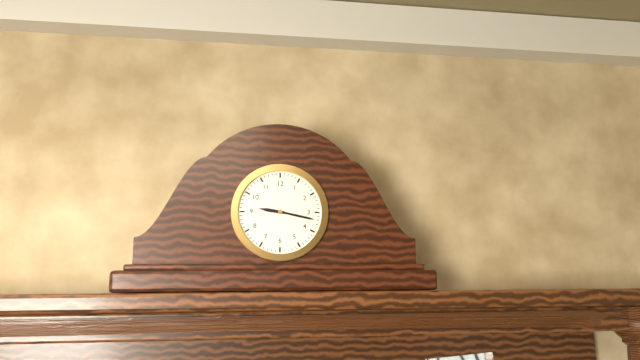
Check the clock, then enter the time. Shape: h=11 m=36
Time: h=9 m=17
